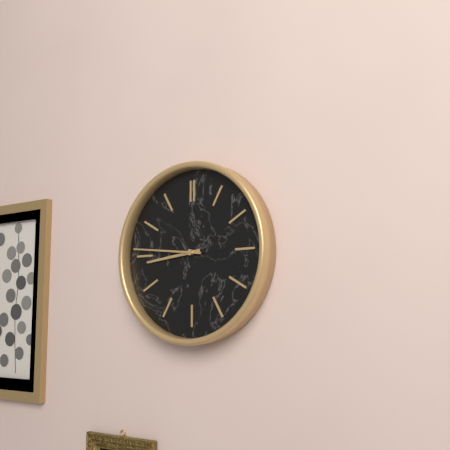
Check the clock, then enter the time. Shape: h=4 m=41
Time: h=8 m=46
